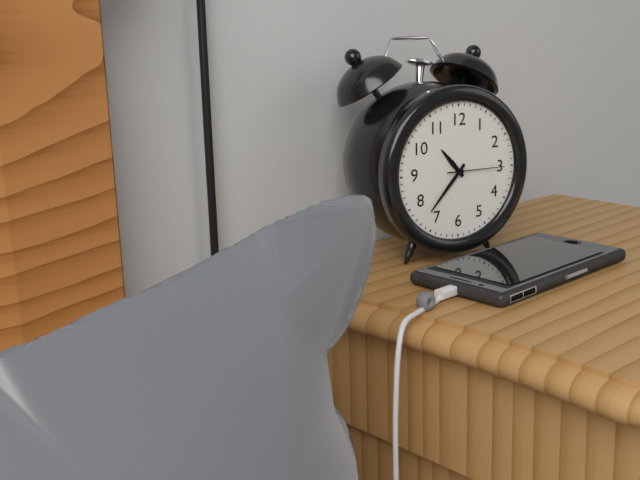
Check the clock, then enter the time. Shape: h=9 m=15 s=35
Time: h=10 m=37 s=15
